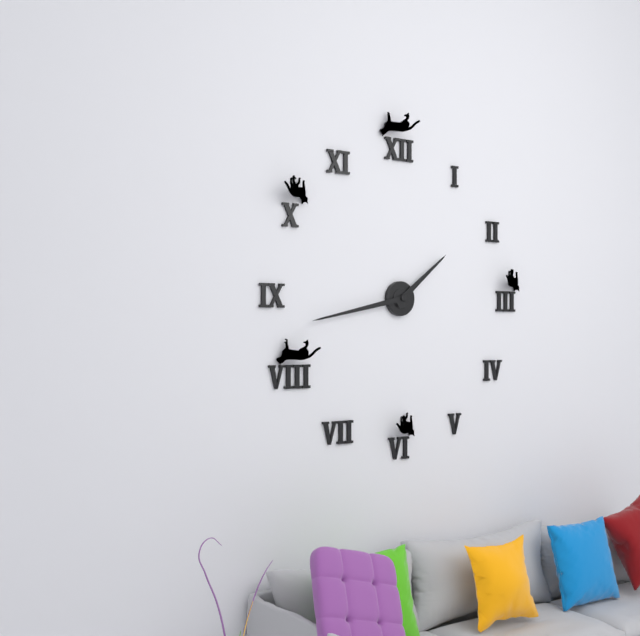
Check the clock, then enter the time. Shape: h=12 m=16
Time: h=1 m=43
